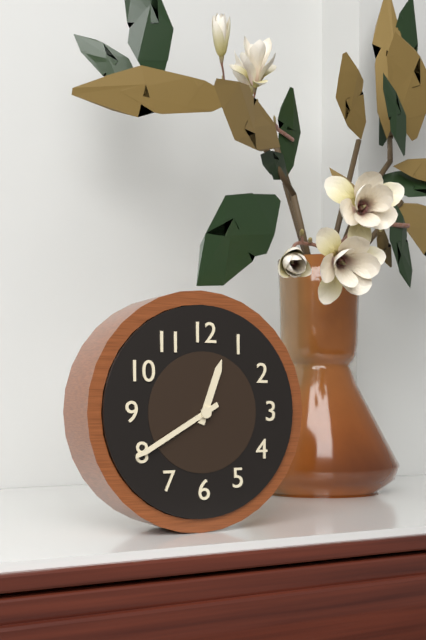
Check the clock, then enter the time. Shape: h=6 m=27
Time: h=12 m=40
